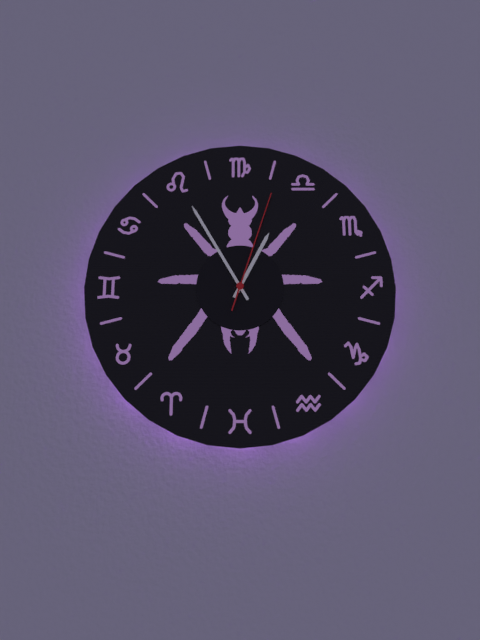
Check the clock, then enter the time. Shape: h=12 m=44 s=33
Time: h=12 m=55 s=3
